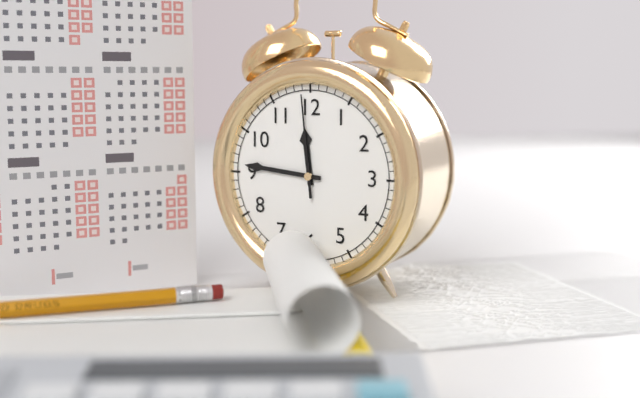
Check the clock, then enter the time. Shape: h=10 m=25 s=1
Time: h=11 m=46 s=59
